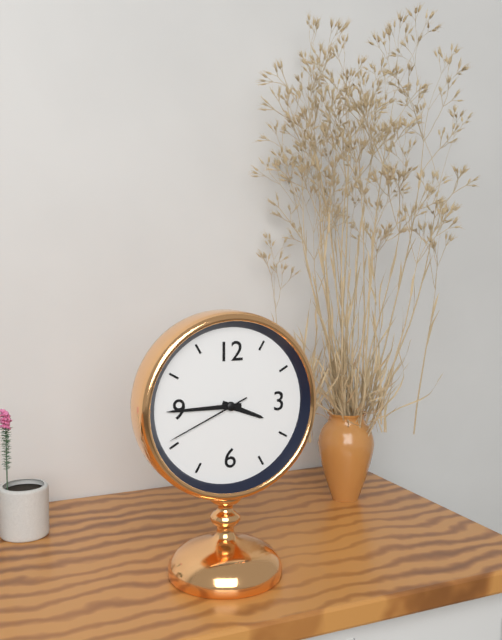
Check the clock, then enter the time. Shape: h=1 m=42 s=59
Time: h=3 m=45 s=41
